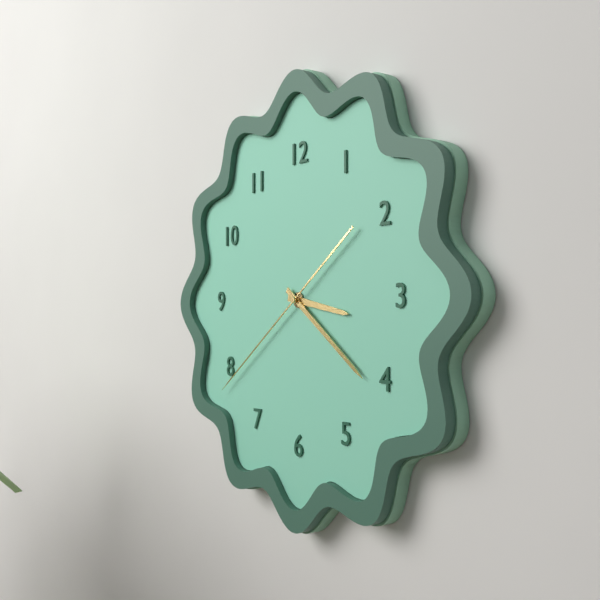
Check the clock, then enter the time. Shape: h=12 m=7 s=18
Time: h=3 m=21 s=39
